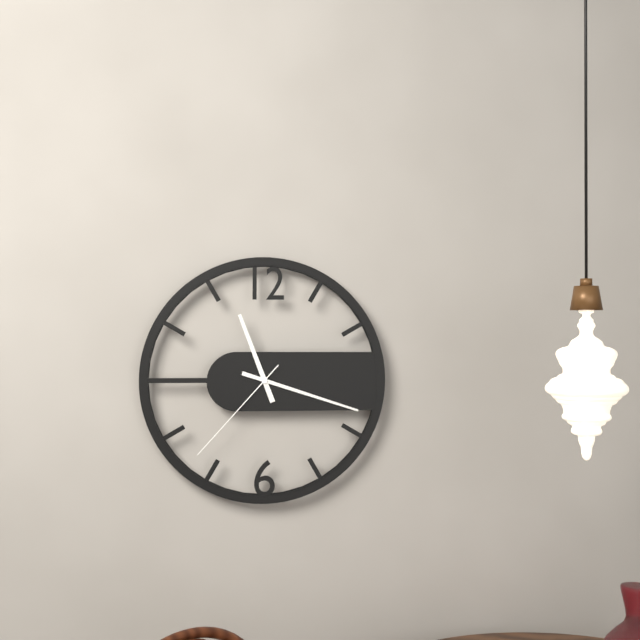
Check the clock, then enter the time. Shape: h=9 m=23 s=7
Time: h=11 m=18 s=37
